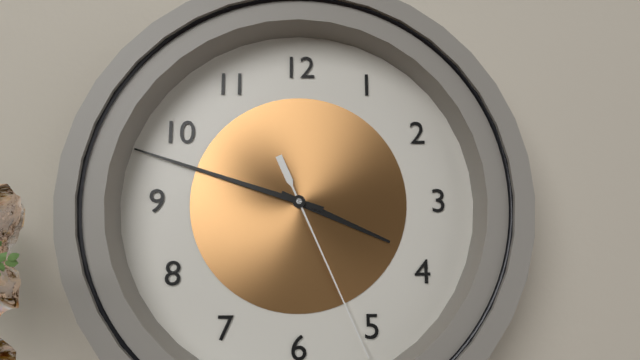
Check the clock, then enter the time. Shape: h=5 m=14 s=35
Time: h=3 m=48 s=26
